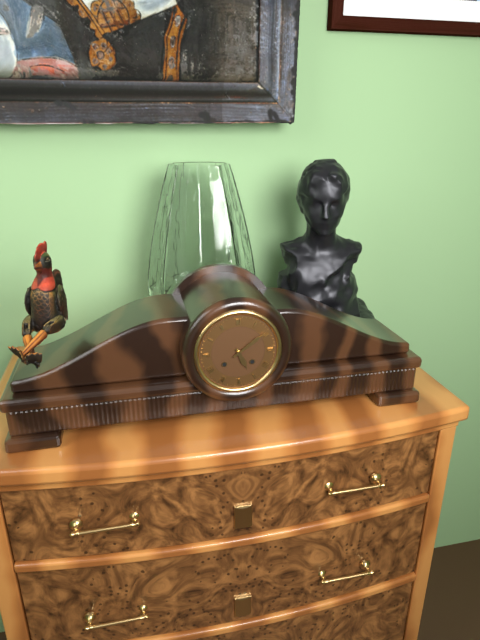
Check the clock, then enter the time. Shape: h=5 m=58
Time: h=5 m=9
